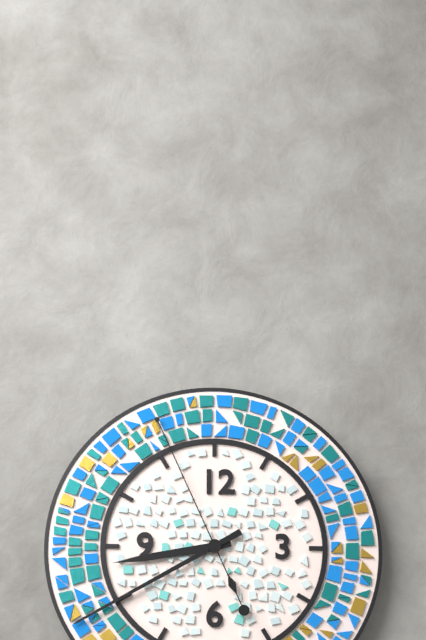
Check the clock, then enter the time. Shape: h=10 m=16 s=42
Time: h=8 m=40 s=56
